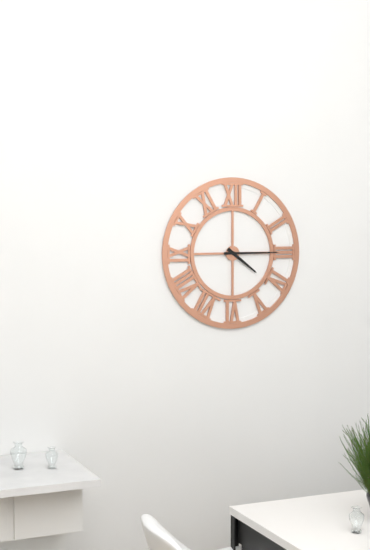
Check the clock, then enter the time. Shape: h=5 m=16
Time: h=4 m=15
